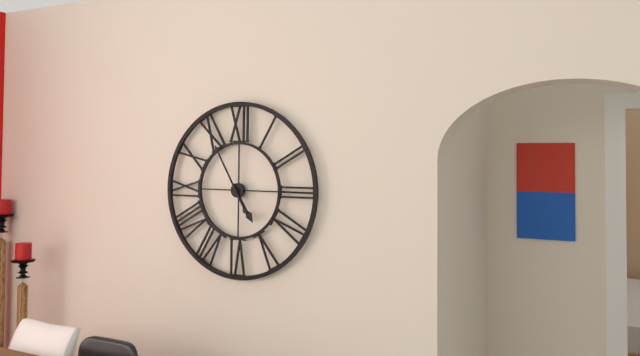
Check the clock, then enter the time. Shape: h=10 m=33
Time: h=4 m=55
